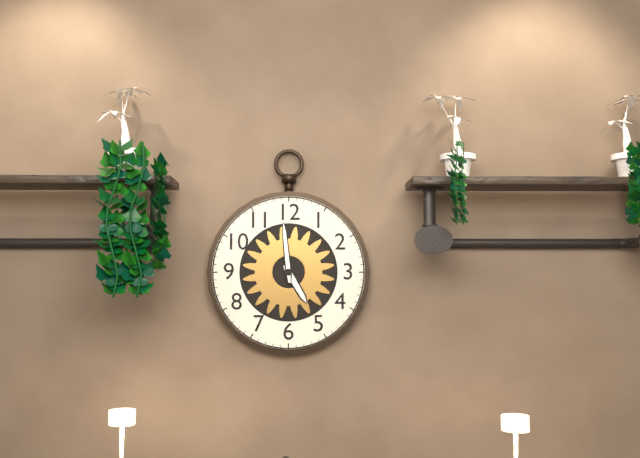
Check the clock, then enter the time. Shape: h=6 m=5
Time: h=4 m=59
